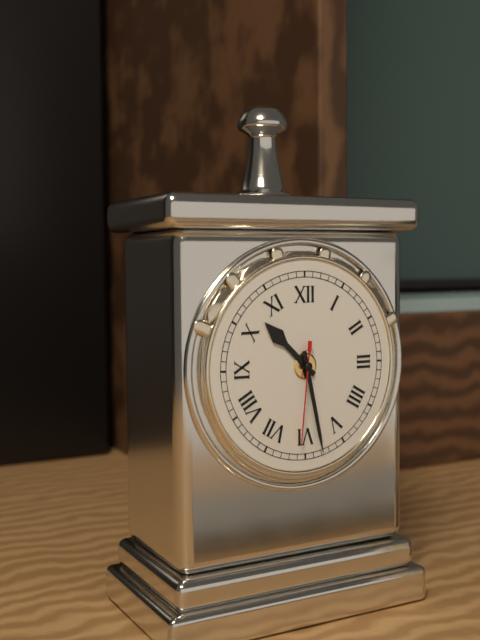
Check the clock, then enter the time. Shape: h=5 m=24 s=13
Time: h=10 m=28 s=31
